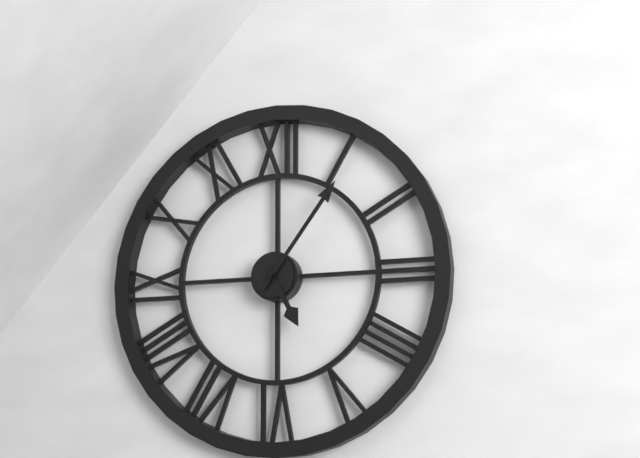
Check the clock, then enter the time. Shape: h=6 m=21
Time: h=5 m=6
